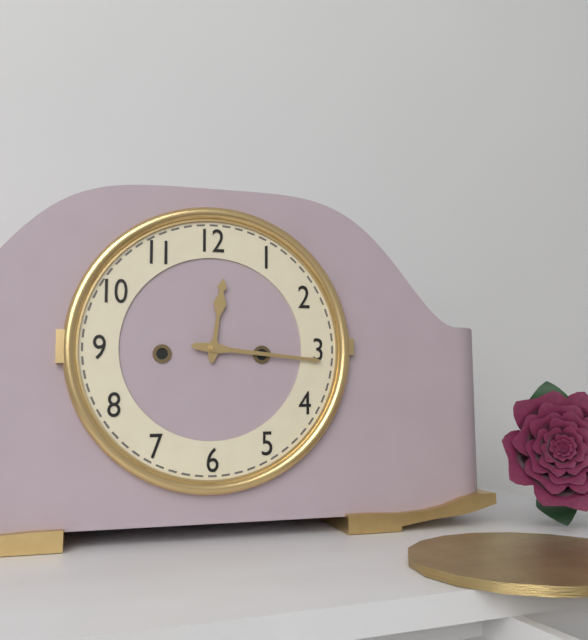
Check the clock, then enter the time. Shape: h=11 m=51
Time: h=12 m=16
